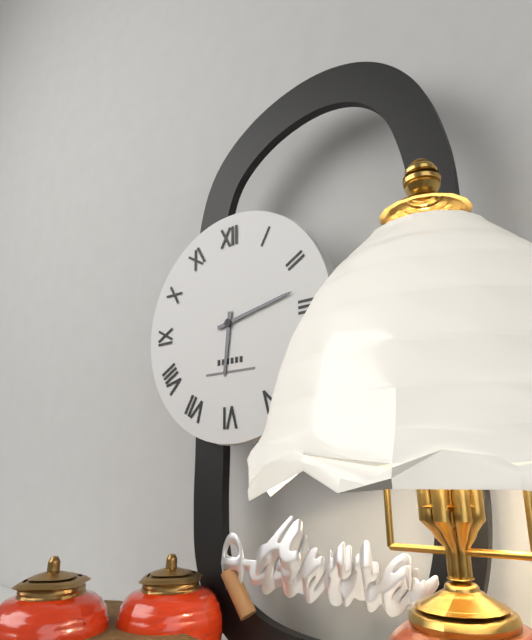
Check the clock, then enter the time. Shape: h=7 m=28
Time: h=6 m=13
